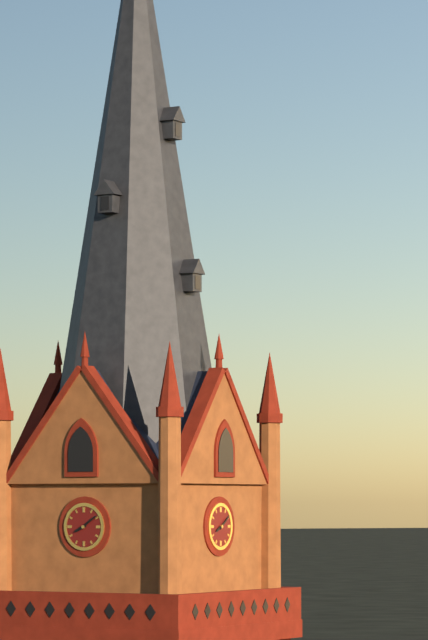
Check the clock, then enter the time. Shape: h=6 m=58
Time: h=8 m=9
